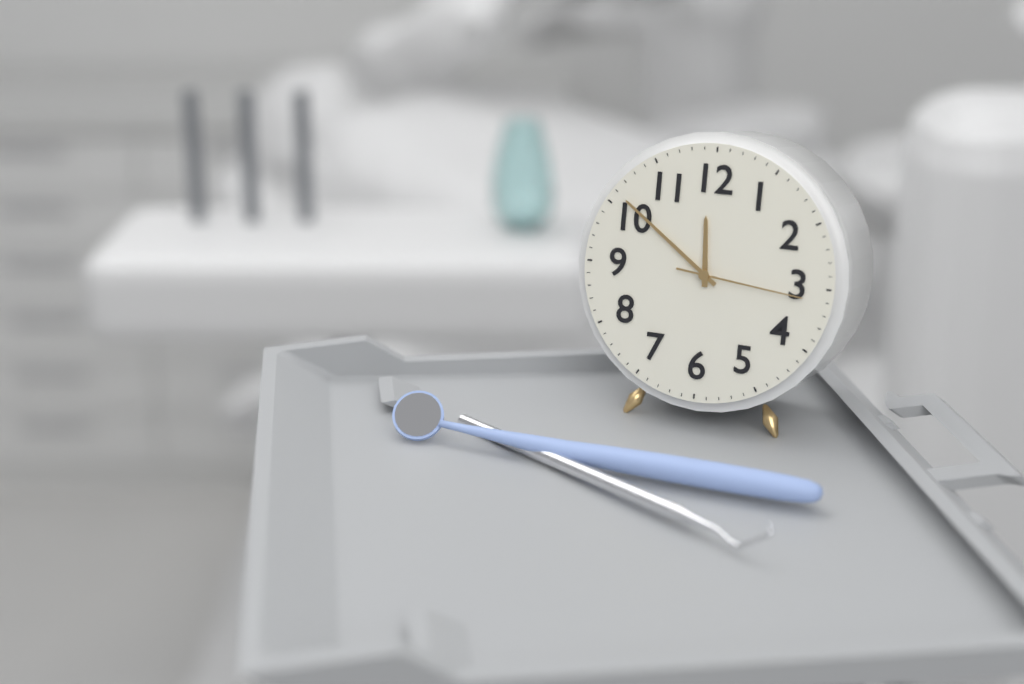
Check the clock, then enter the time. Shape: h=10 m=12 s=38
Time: h=11 m=51 s=16
